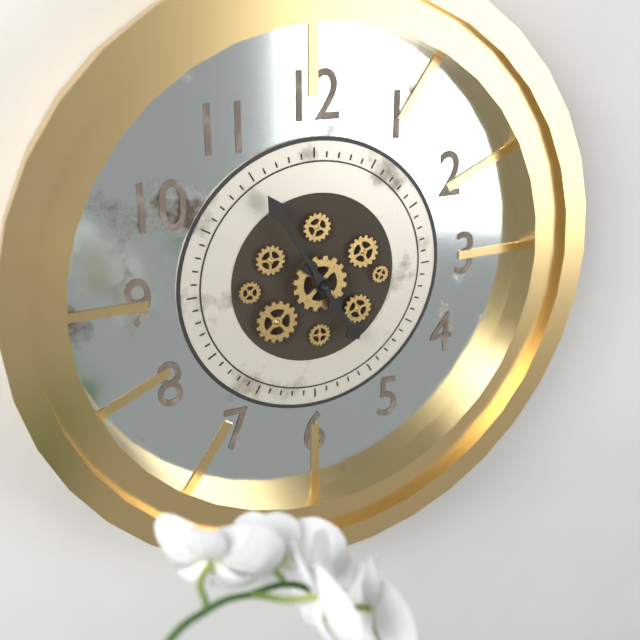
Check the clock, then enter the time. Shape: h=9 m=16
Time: h=4 m=55
